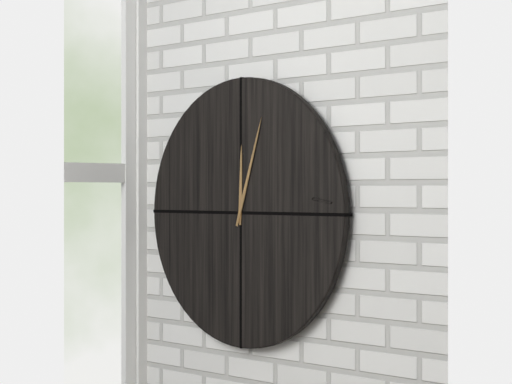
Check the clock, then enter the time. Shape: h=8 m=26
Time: h=12 m=3
